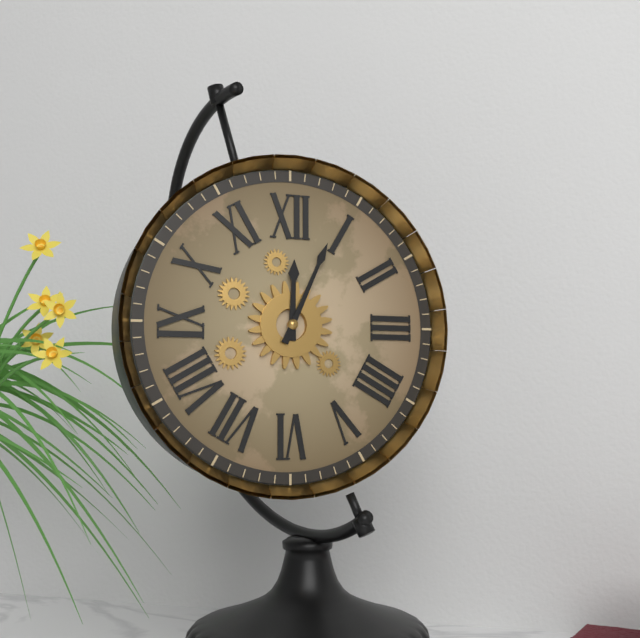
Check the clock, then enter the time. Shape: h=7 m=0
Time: h=12 m=4
